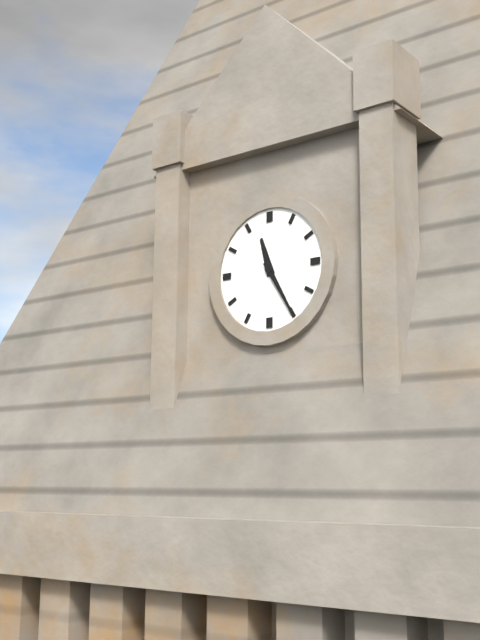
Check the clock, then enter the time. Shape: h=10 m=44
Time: h=11 m=25
